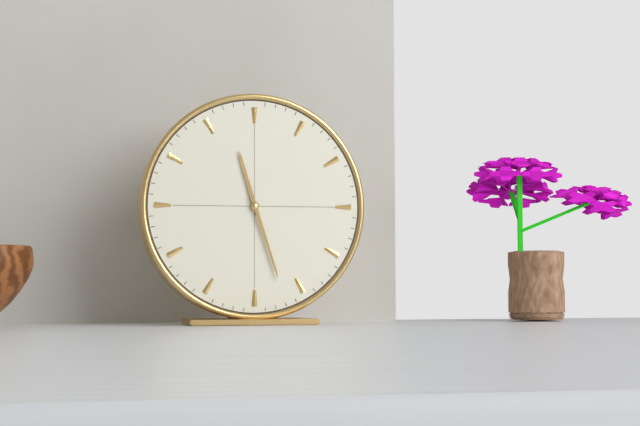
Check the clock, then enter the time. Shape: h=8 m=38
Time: h=11 m=27
